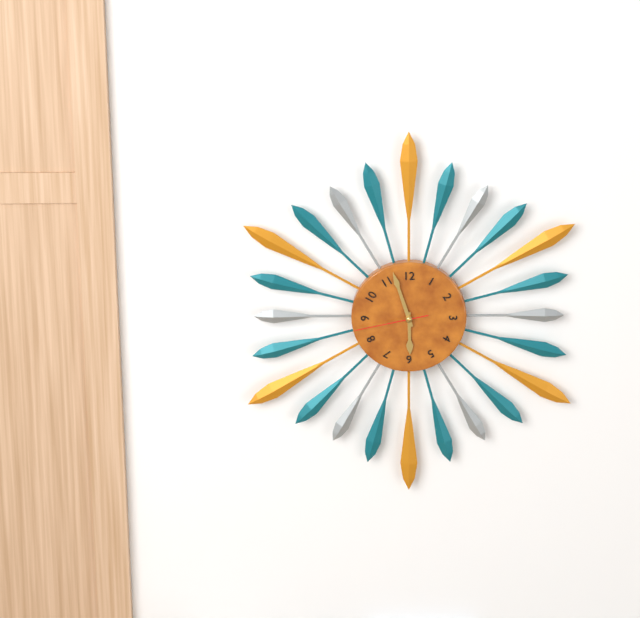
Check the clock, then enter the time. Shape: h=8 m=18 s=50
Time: h=5 m=57 s=43
